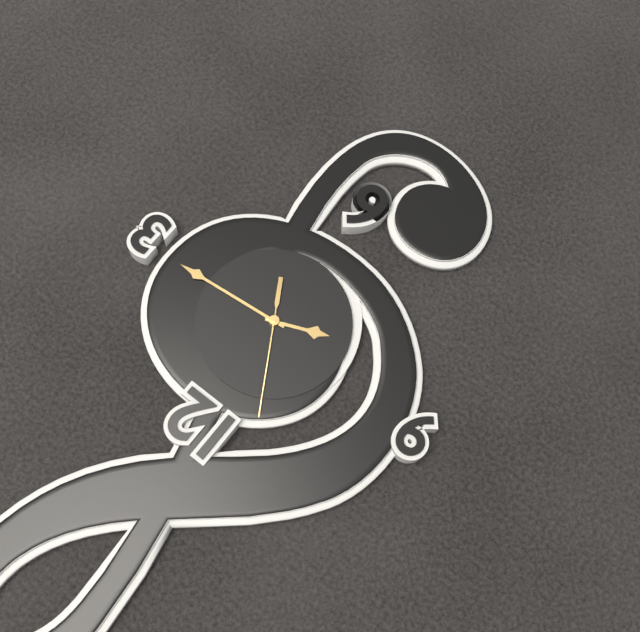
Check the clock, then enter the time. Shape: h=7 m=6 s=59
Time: h=8 m=14 s=55
